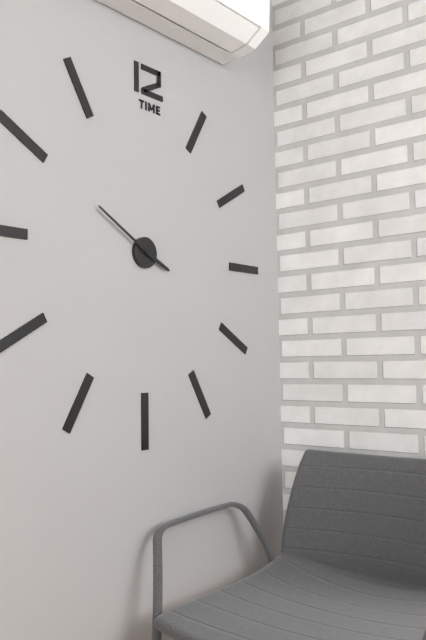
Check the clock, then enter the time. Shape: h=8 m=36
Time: h=3 m=50
